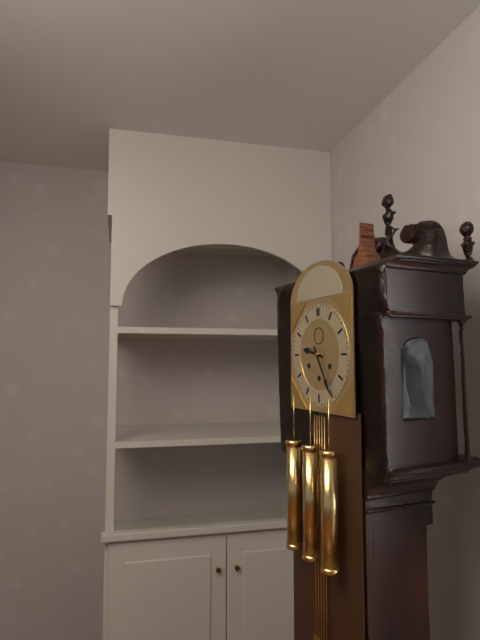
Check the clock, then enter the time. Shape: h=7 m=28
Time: h=9 m=25
